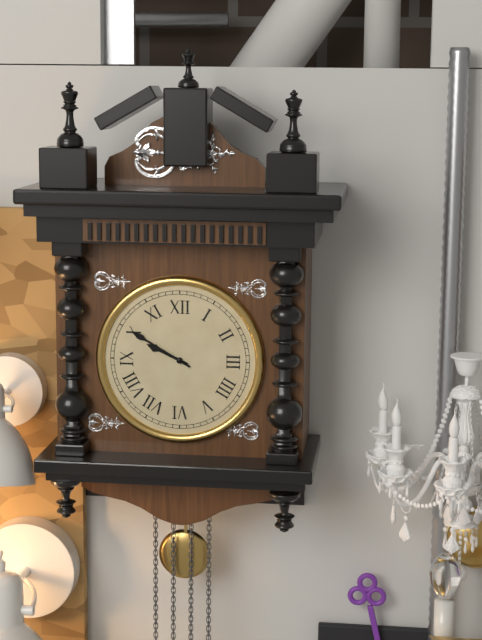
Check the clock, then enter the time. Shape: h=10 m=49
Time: h=9 m=50
